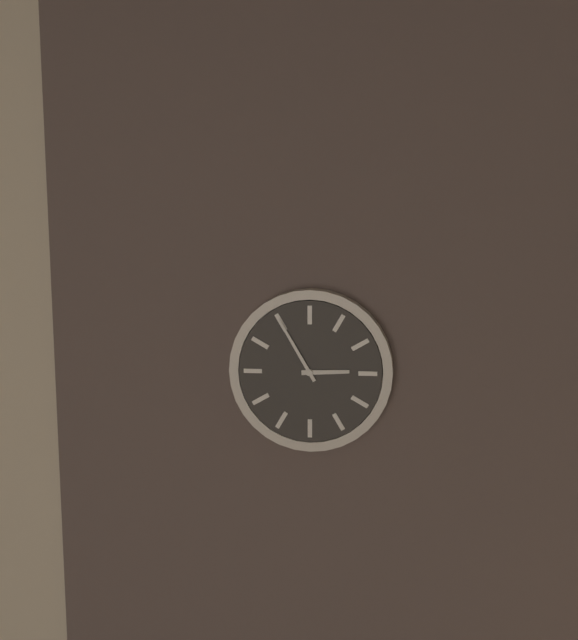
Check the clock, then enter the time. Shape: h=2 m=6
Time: h=2 m=55
